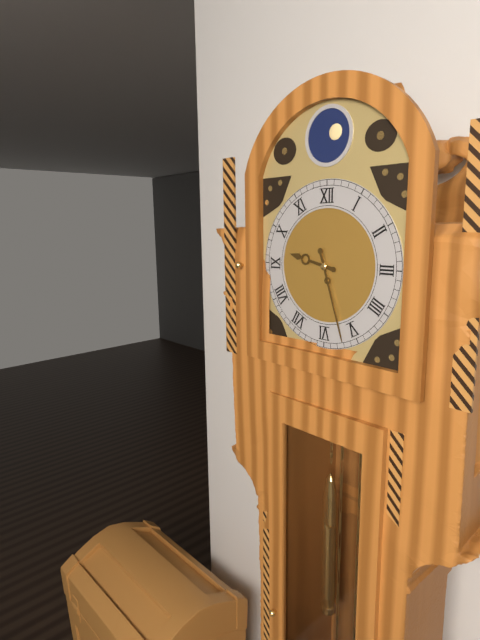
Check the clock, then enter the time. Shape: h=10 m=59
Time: h=9 m=27
